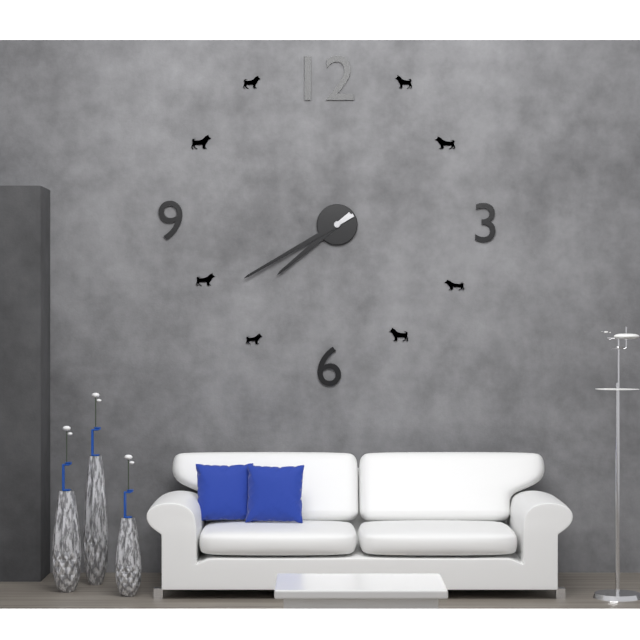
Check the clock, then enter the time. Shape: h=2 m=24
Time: h=7 m=40
